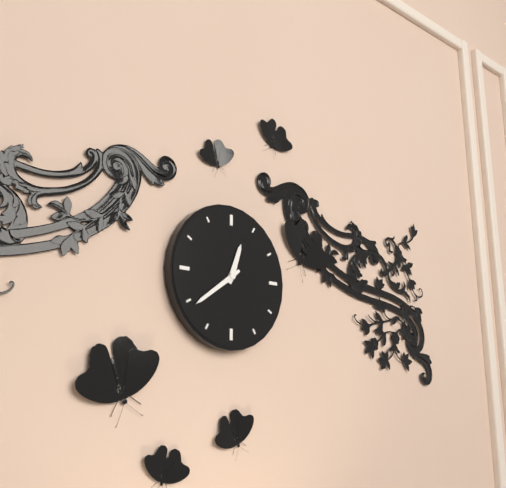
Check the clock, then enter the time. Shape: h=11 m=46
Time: h=12 m=39
